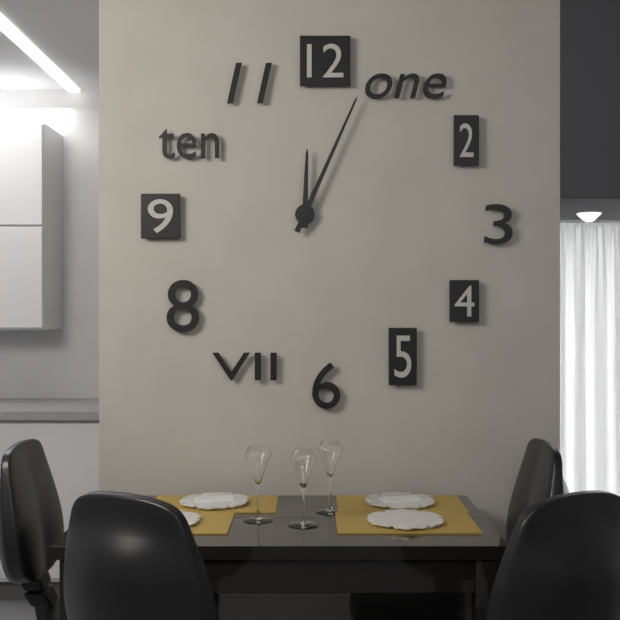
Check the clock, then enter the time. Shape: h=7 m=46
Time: h=12 m=4
